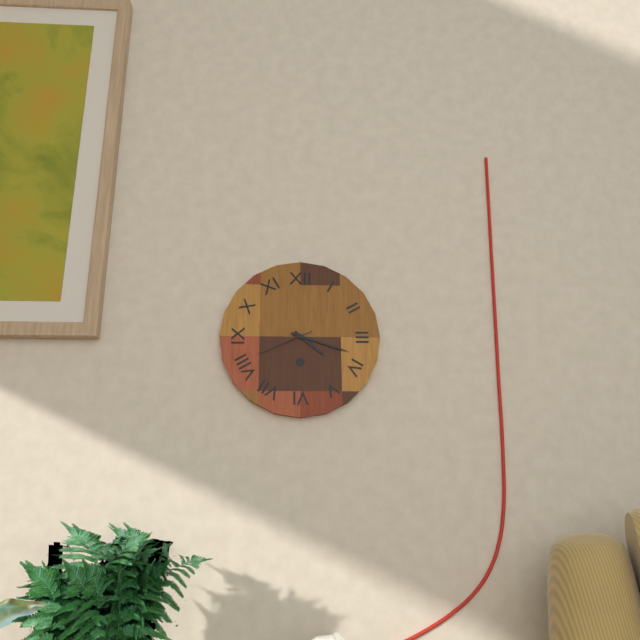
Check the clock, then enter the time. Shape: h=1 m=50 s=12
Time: h=4 m=18 s=41
